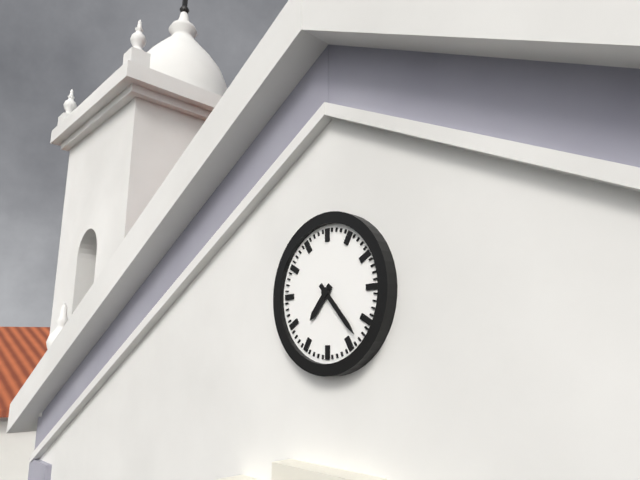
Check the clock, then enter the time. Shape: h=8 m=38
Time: h=7 m=23
